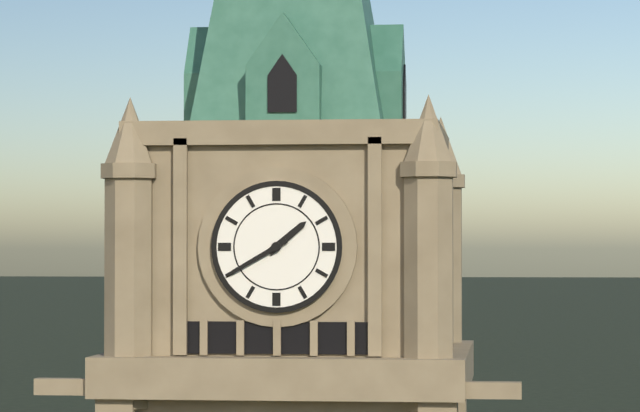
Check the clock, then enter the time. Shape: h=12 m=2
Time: h=1 m=40
